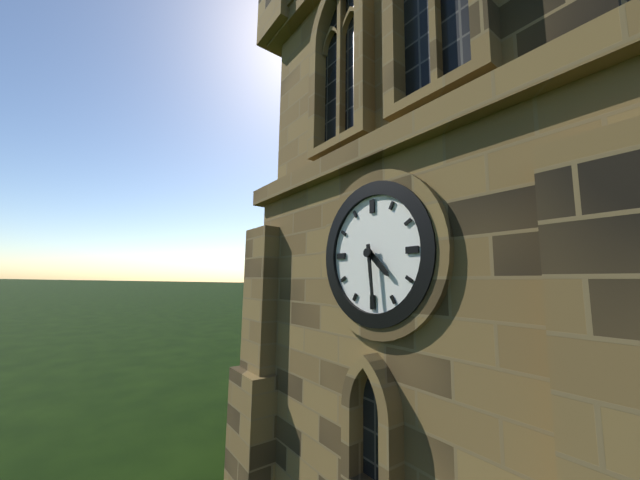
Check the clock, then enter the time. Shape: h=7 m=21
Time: h=4 m=29
